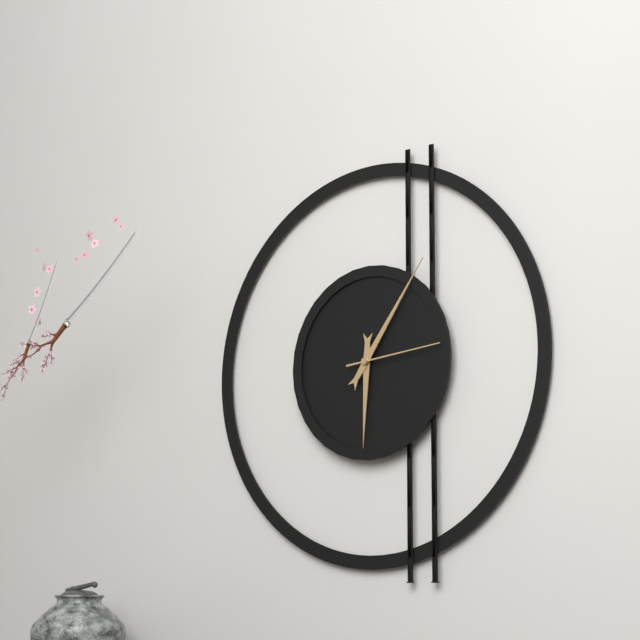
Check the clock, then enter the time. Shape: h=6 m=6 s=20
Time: h=6 m=6 s=14
